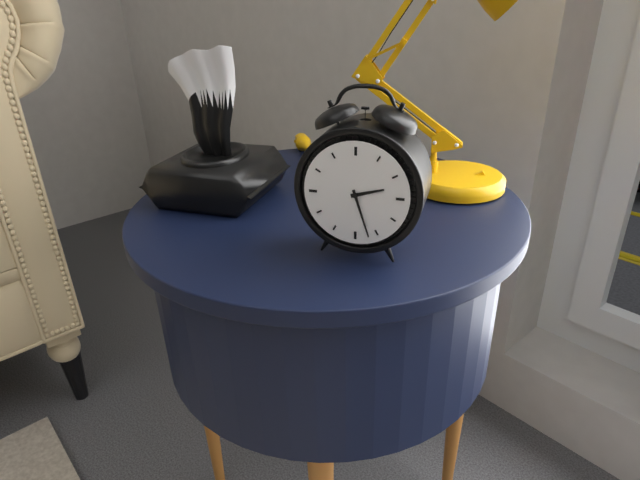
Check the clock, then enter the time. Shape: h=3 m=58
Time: h=2 m=27
